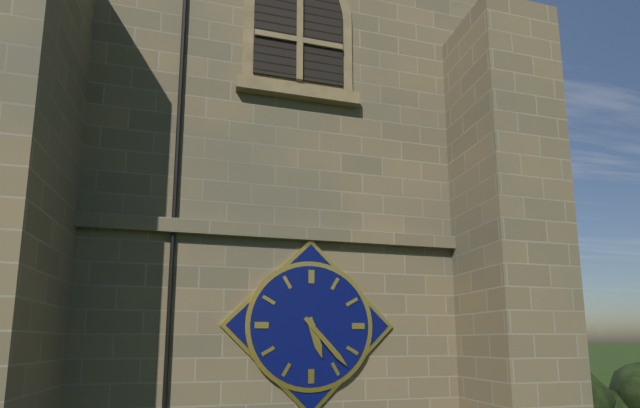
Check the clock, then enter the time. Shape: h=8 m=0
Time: h=5 m=23
